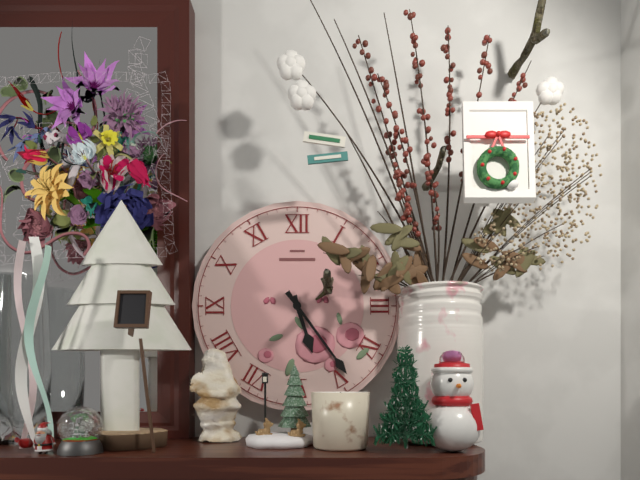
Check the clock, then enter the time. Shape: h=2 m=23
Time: h=5 m=24
